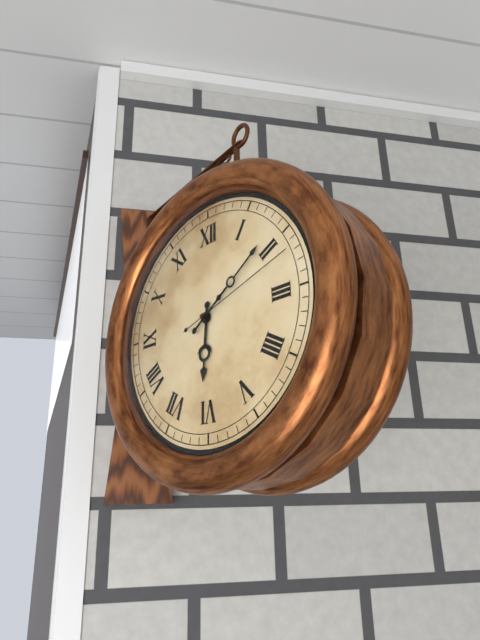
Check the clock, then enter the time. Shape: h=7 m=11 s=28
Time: h=6 m=9 s=12
